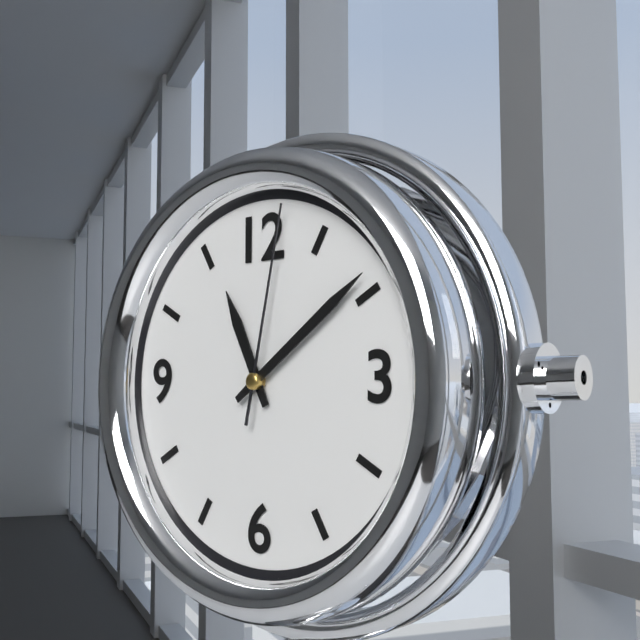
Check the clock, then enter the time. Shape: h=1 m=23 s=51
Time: h=11 m=9 s=2
